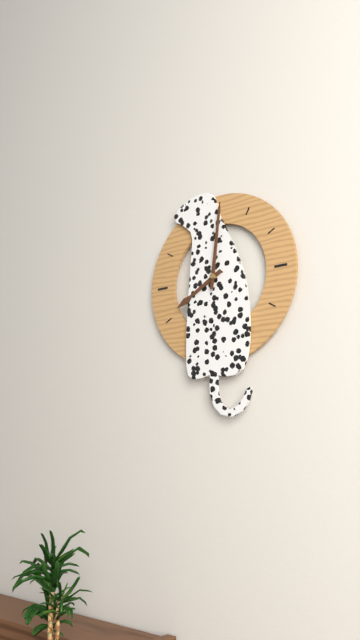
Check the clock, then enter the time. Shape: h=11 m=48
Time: h=8 m=1
